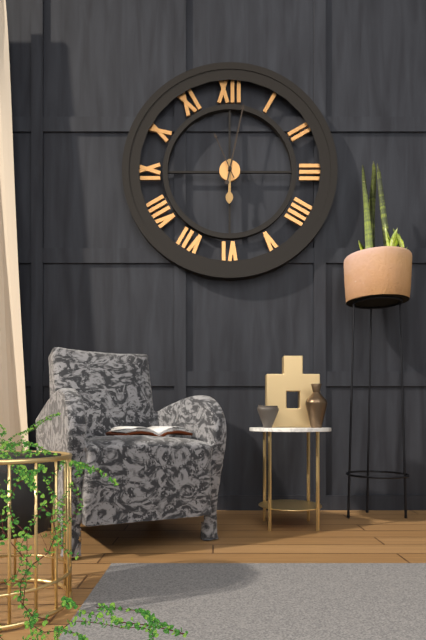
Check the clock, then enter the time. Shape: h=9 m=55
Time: h=6 m=2
